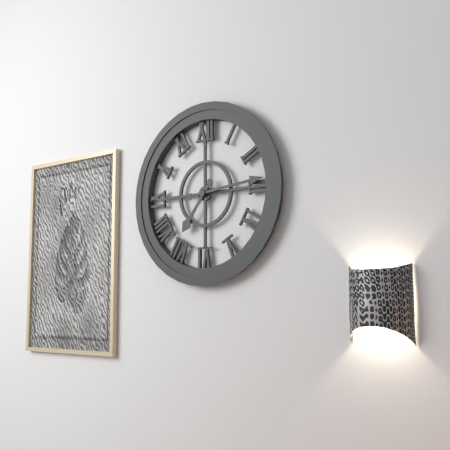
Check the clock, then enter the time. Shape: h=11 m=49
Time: h=7 m=14
